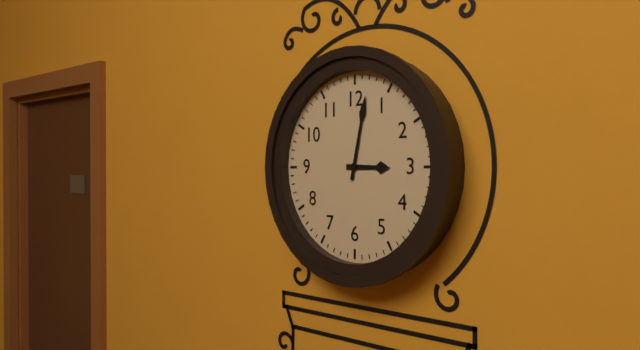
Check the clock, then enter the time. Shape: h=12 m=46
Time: h=3 m=2
